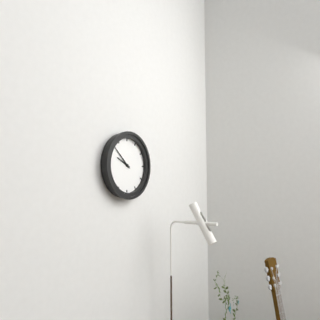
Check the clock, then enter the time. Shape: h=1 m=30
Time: h=9 m=52
